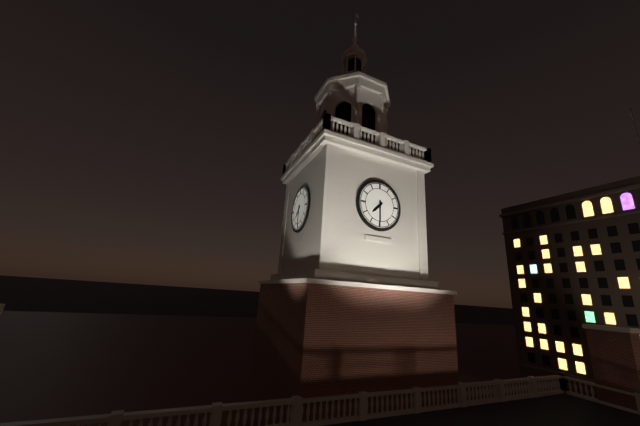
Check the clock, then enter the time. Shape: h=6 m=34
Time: h=7 m=30
